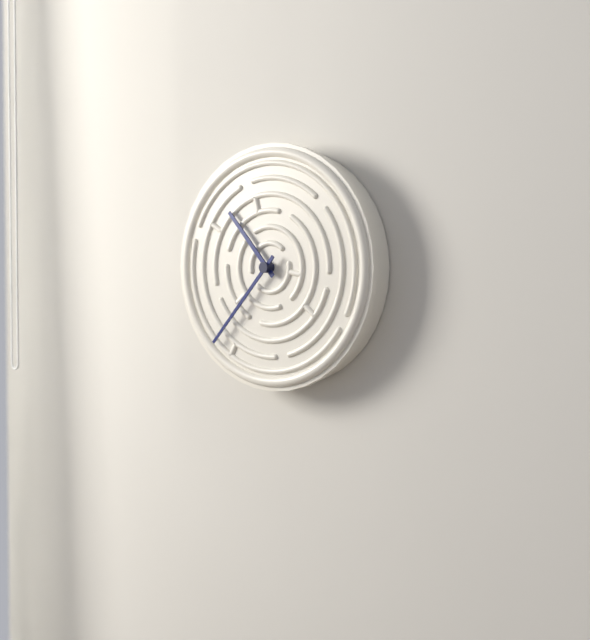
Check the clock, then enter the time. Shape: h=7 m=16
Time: h=10 m=37
